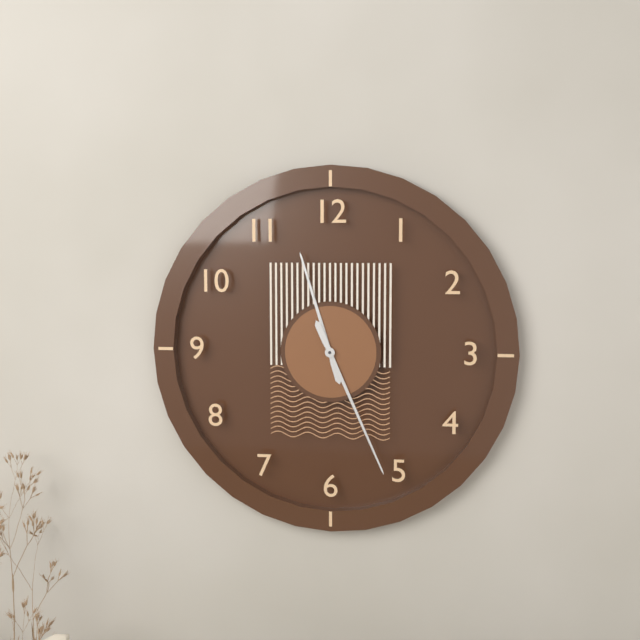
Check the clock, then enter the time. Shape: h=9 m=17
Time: h=11 m=26
